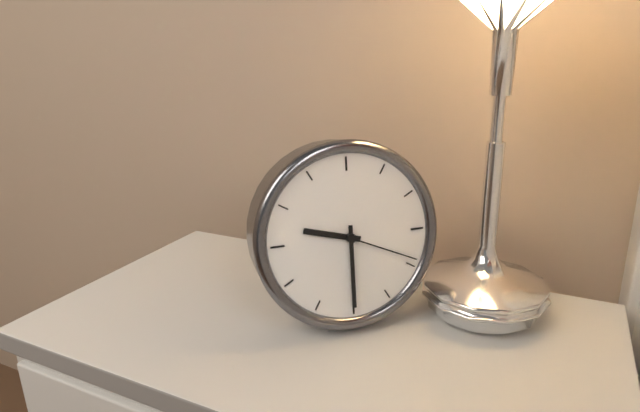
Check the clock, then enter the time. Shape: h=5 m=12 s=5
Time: h=9 m=30 s=19
